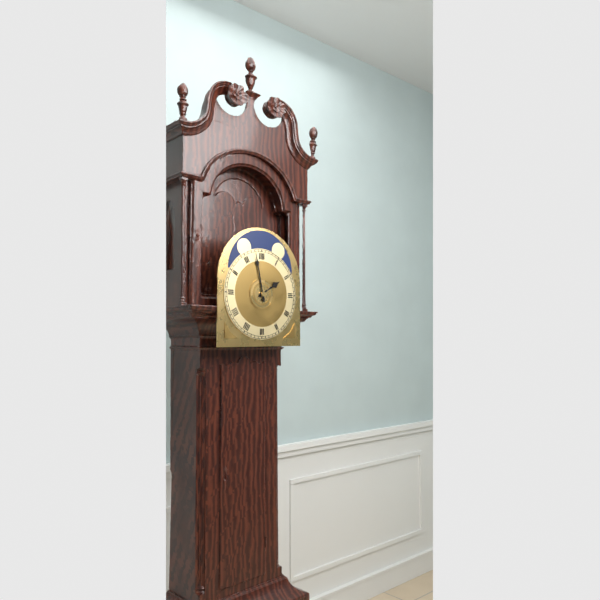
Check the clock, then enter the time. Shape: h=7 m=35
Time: h=1 m=58
